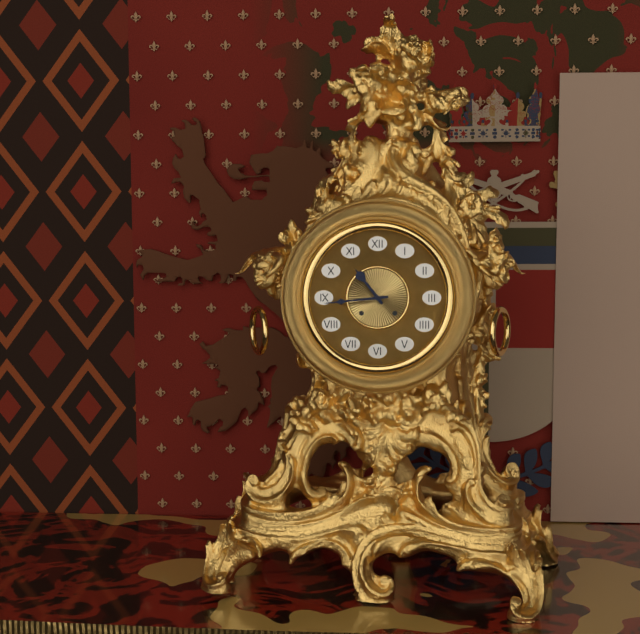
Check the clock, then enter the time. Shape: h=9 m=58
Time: h=10 m=44
